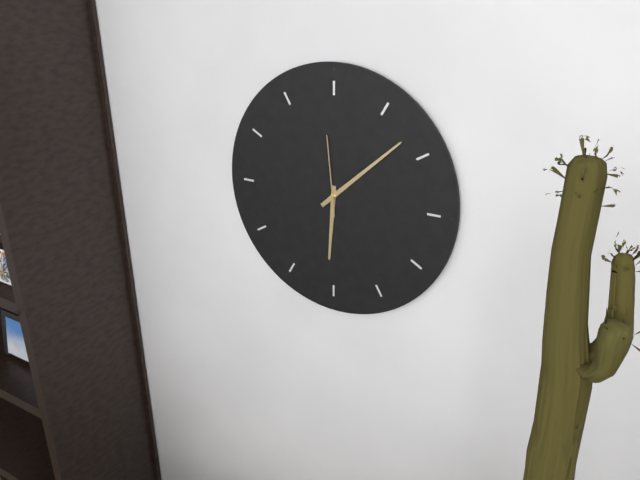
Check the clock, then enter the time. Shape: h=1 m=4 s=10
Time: h=6 m=8 s=59
